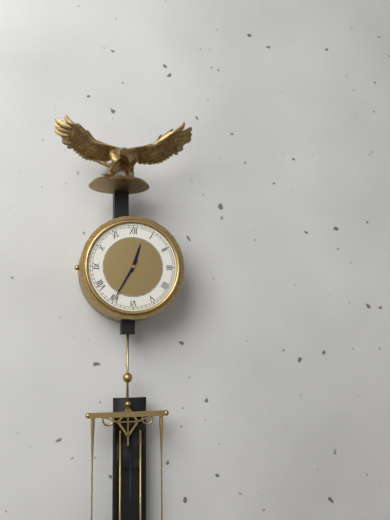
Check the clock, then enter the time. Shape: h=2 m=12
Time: h=12 m=35
